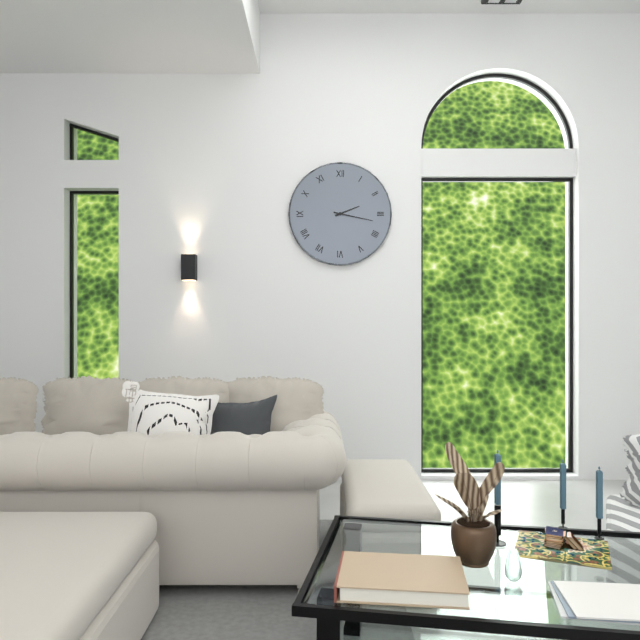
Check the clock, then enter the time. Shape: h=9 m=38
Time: h=2 m=17
